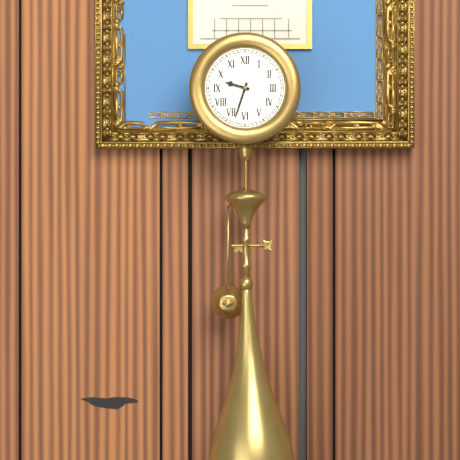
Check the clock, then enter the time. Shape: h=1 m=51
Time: h=9 m=33
